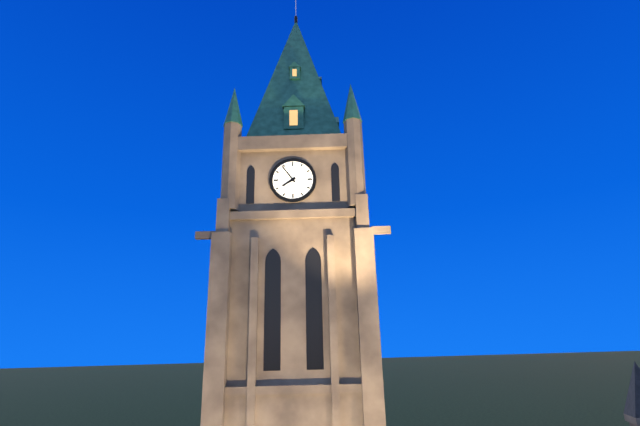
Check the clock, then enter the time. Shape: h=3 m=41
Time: h=7 m=54
